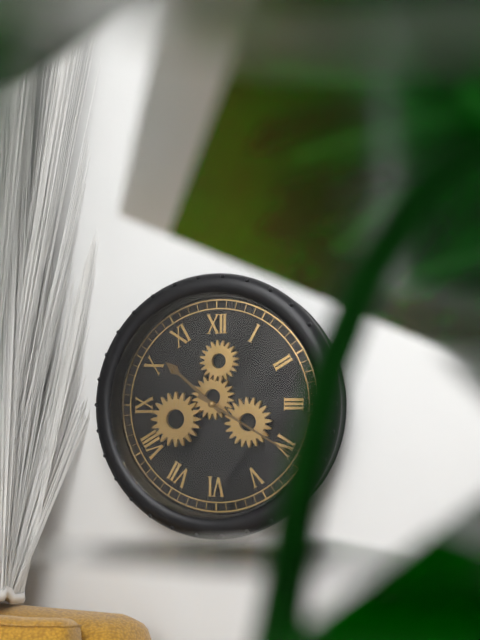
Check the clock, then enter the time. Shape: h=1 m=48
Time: h=10 m=20
